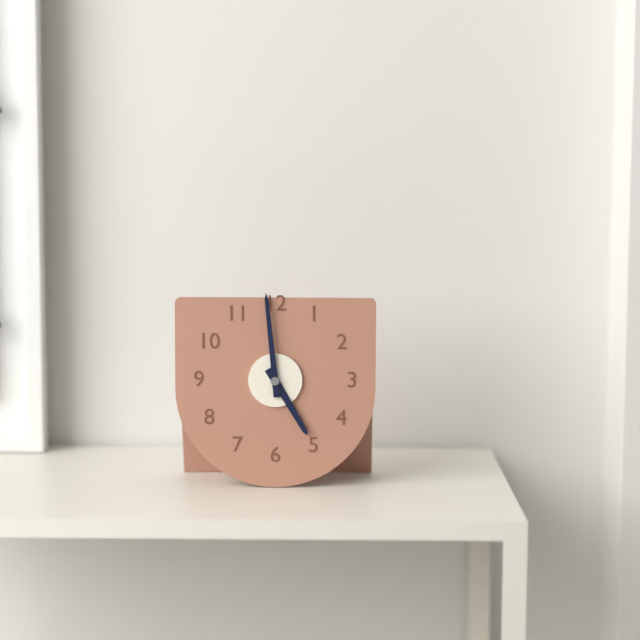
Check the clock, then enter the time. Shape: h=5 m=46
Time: h=4 m=59
